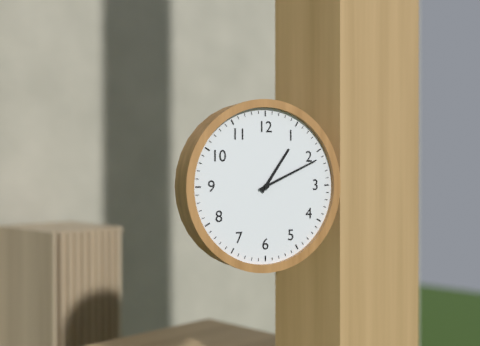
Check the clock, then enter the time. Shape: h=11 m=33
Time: h=1 m=11
